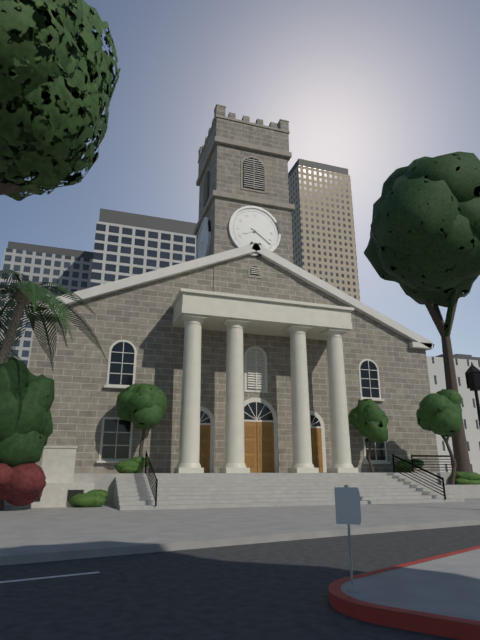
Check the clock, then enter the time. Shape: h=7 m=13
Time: h=8 m=21
